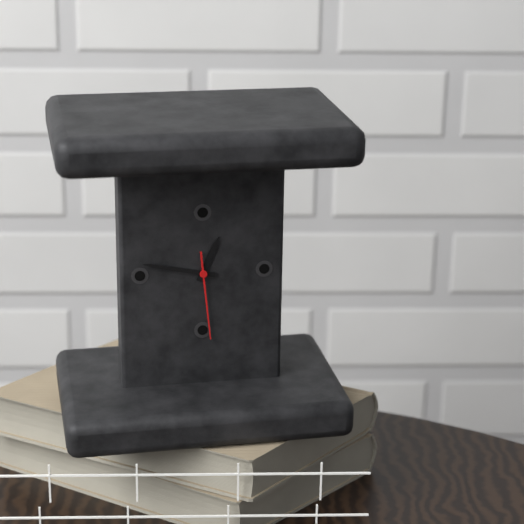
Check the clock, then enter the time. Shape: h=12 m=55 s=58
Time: h=12 m=47 s=29
